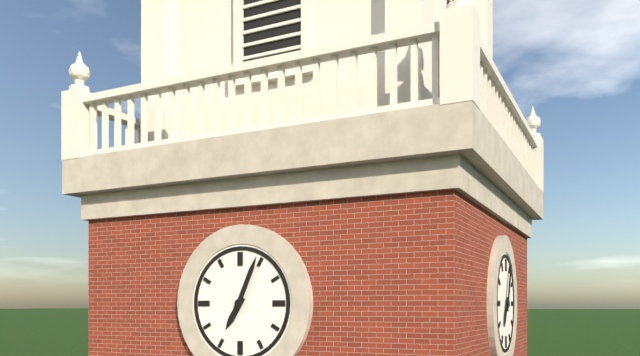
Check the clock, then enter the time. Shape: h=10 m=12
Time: h=7 m=4
